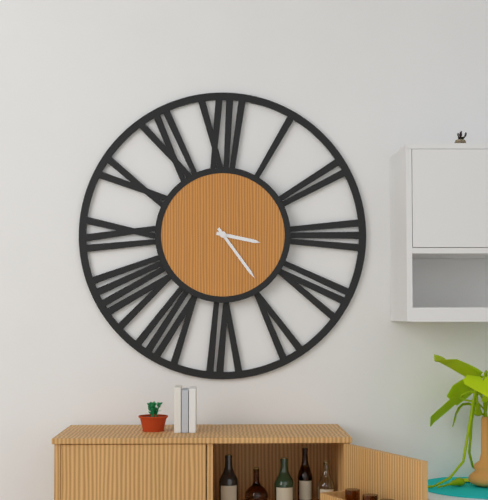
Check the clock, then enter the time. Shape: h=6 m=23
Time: h=3 m=24
